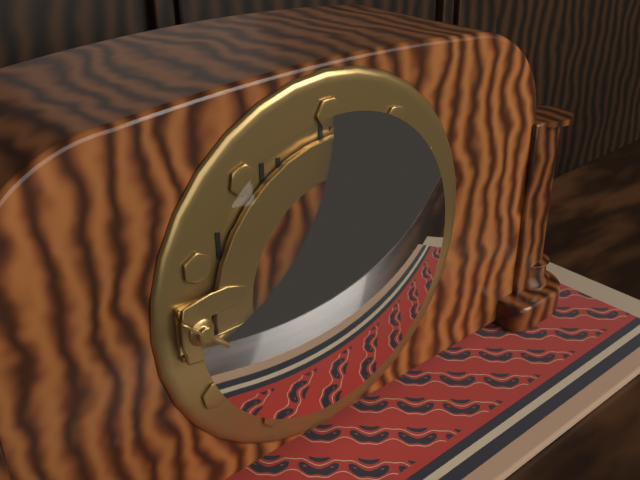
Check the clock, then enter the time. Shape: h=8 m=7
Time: h=5 m=40
